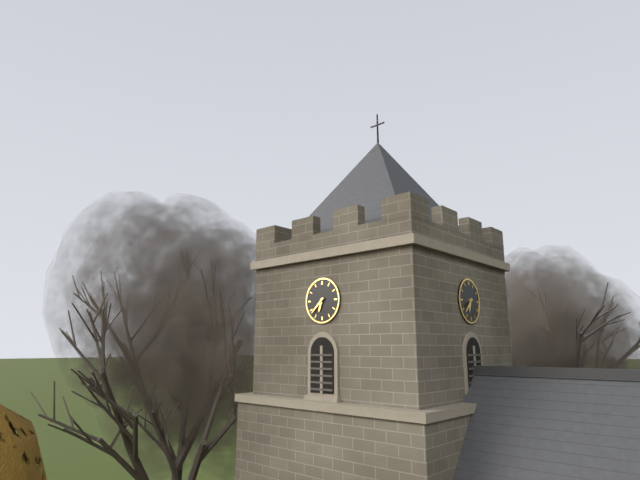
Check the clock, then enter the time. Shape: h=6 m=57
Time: h=6 m=38
